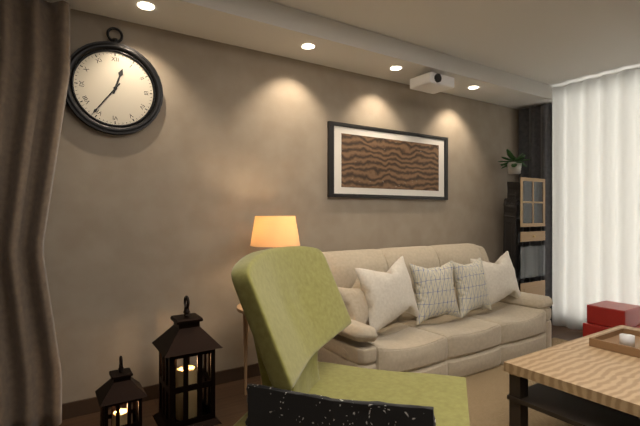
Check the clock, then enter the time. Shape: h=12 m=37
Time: h=12 m=36
